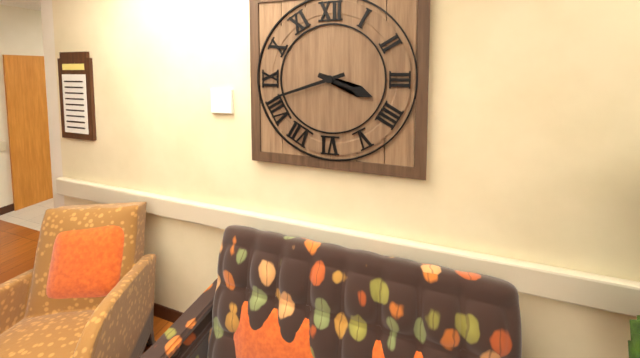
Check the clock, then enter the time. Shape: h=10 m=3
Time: h=3 m=42
